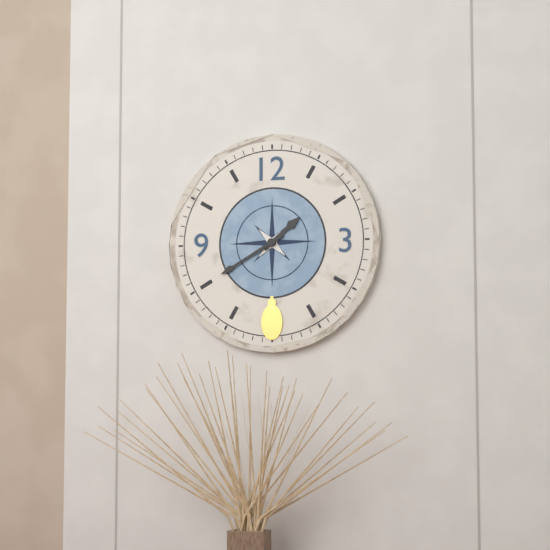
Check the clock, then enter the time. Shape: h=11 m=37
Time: h=1 m=40
